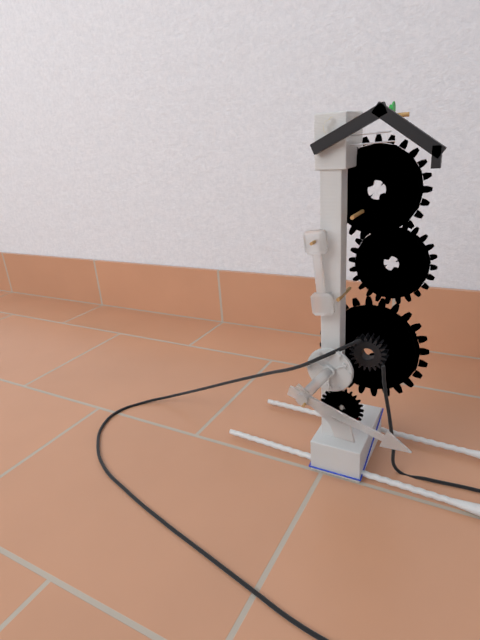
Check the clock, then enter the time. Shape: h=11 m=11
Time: h=4 m=18
